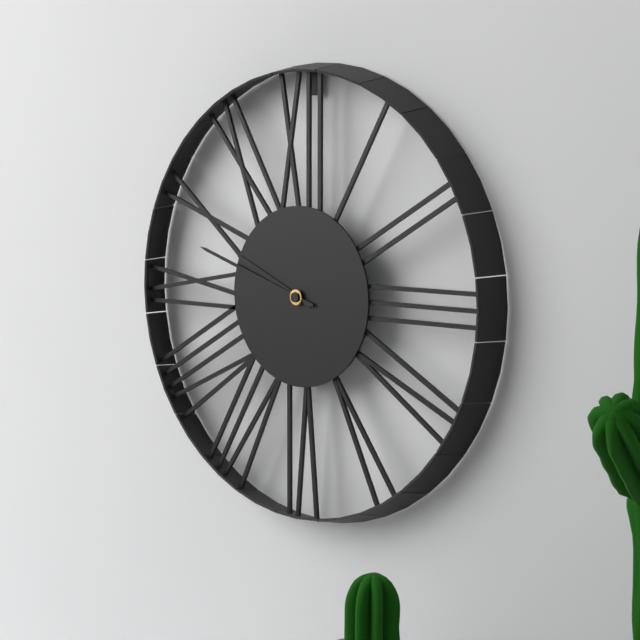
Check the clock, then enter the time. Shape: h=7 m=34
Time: h=9 m=48
